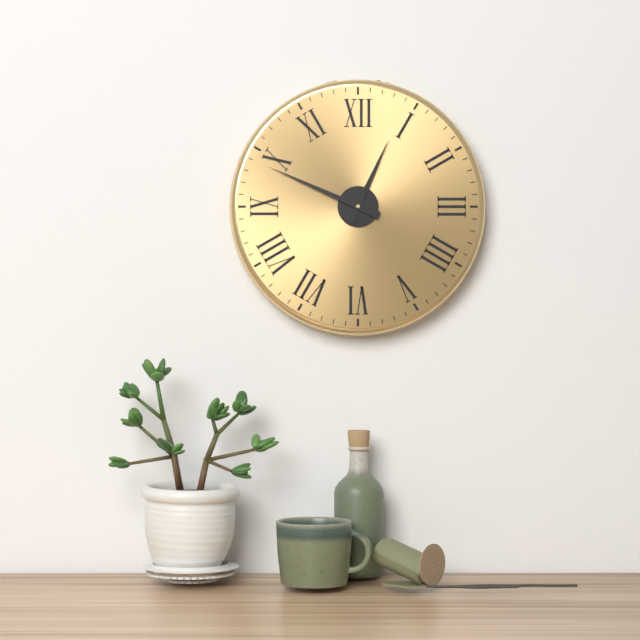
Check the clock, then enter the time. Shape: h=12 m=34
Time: h=12 m=49
